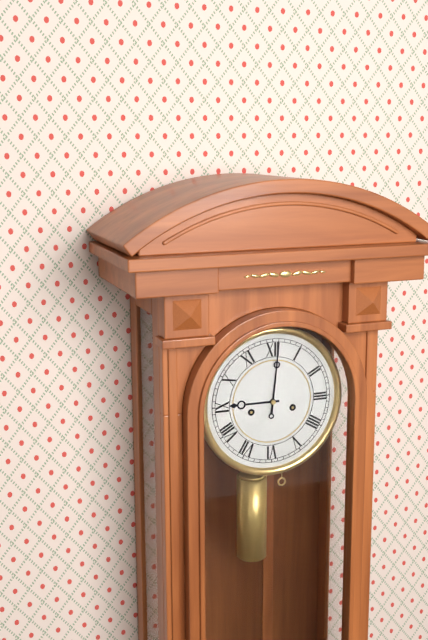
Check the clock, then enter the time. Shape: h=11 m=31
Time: h=9 m=1
